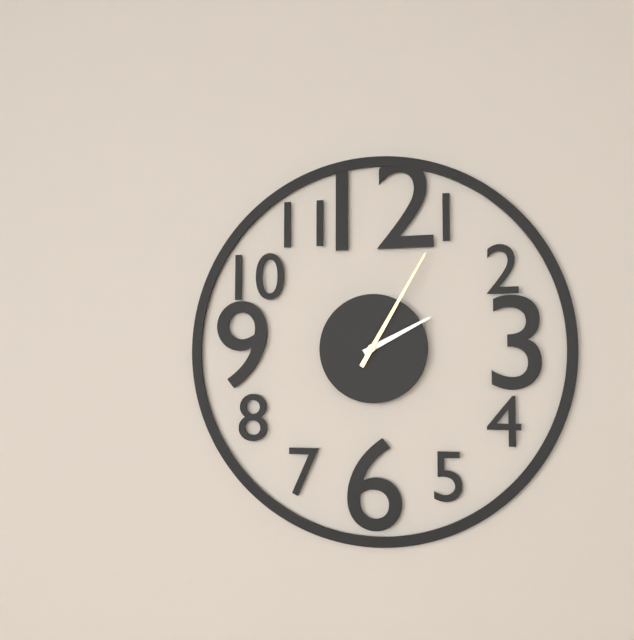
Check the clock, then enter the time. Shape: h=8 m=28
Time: h=2 m=5
